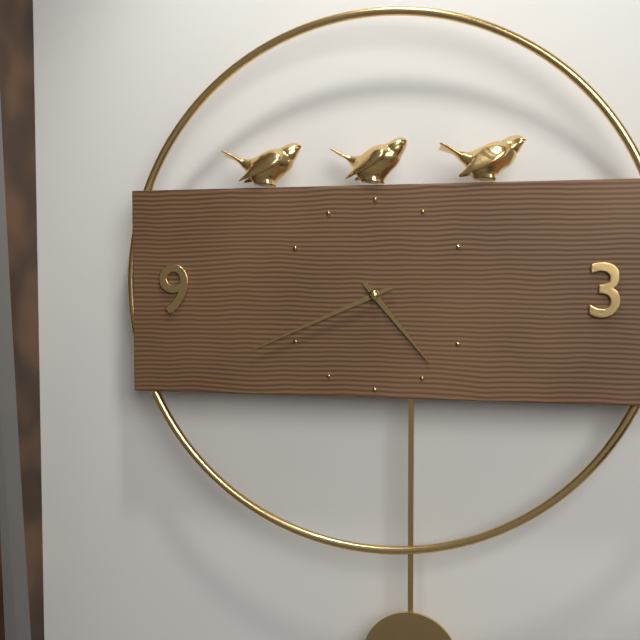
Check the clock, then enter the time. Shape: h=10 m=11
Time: h=4 m=41
